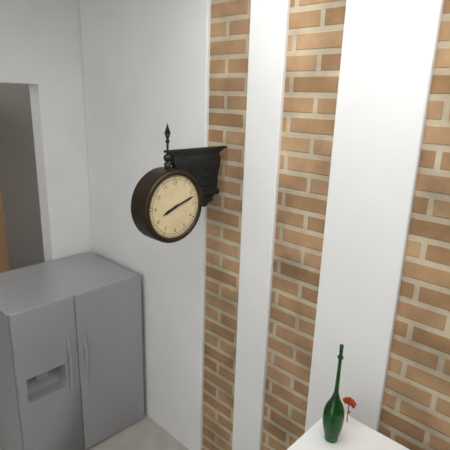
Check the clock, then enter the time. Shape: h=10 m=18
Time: h=8 m=12
